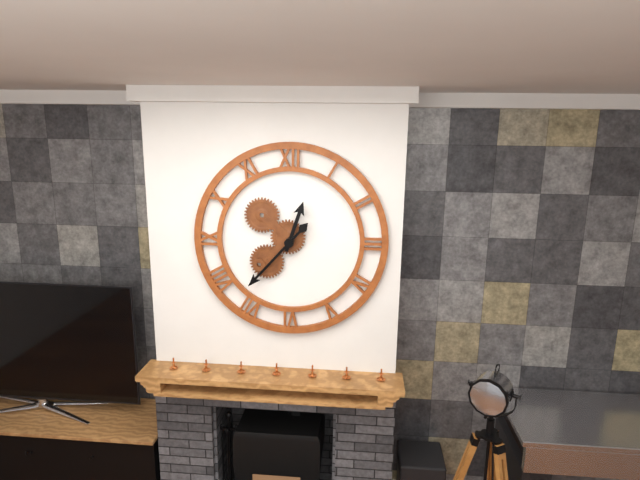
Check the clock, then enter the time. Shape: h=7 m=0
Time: h=12 m=37
